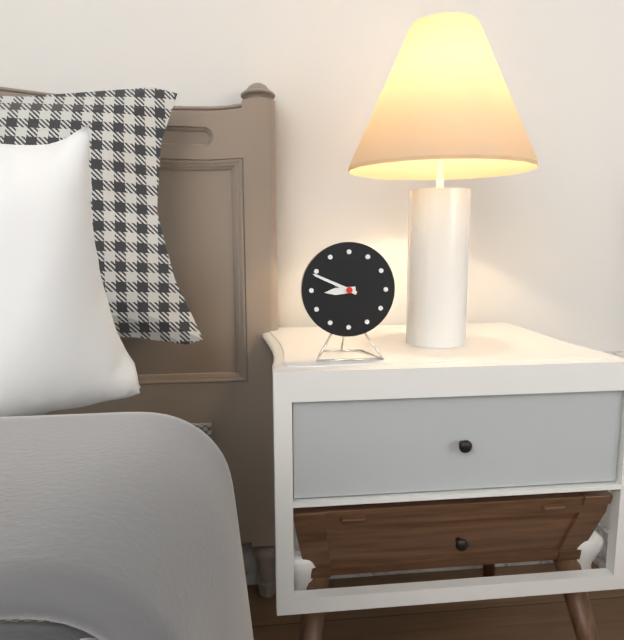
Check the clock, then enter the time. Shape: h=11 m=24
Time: h=8 m=49
